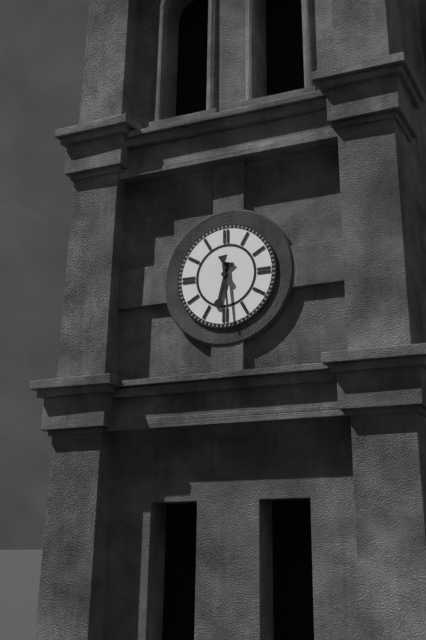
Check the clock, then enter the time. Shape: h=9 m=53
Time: h=6 m=29
